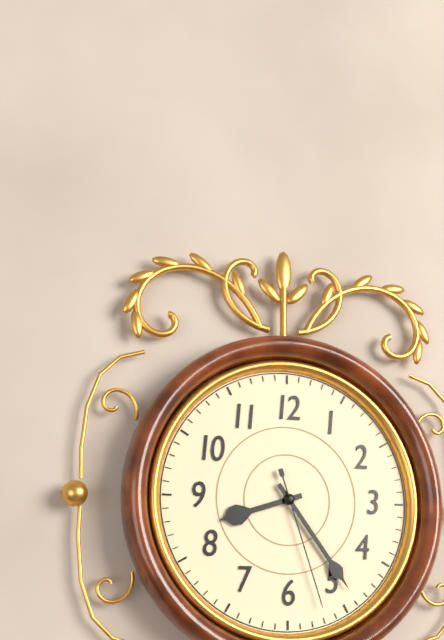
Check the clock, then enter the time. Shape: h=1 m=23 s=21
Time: h=8 m=24 s=27
